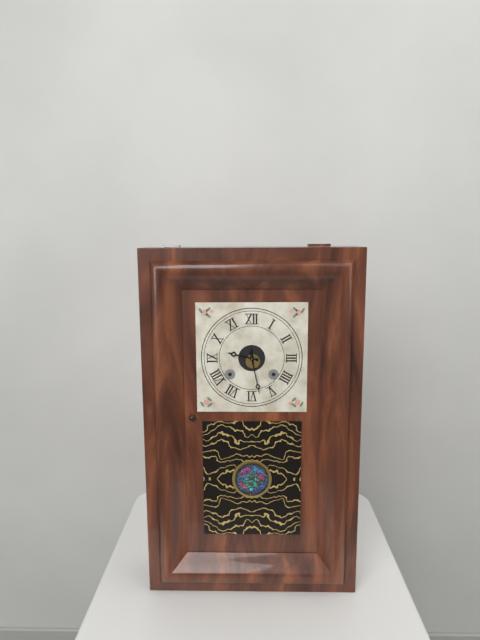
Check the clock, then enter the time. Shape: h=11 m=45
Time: h=9 m=28
